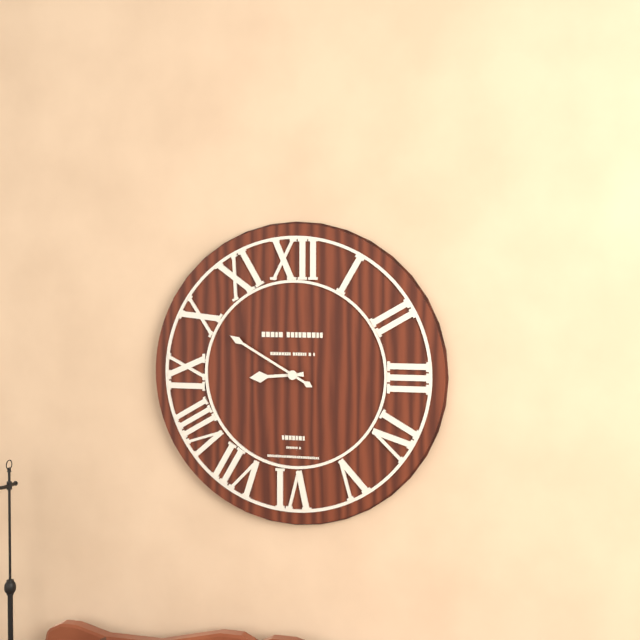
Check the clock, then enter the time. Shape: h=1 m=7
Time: h=8 m=50
